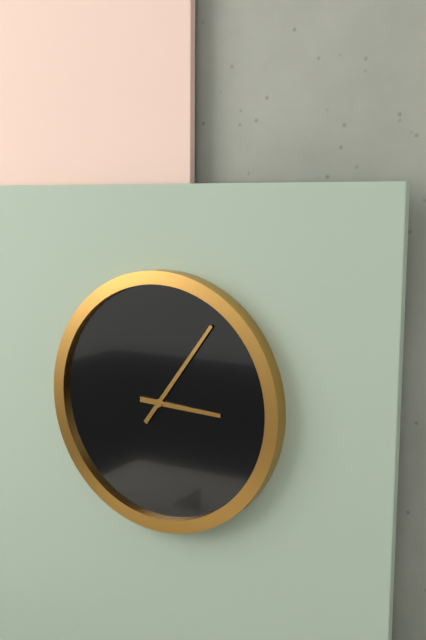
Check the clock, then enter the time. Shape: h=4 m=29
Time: h=3 m=6
